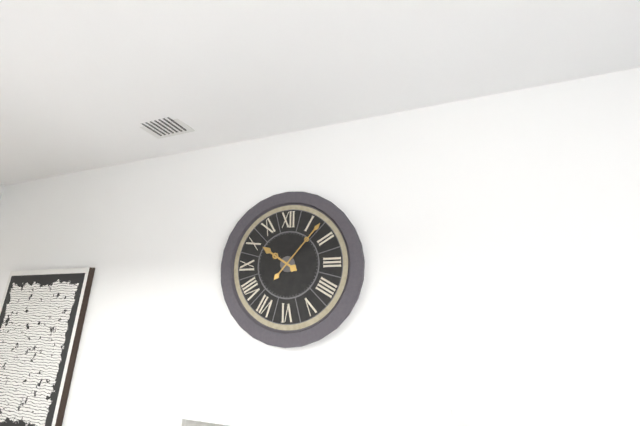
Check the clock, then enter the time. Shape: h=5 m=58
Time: h=10 m=7
